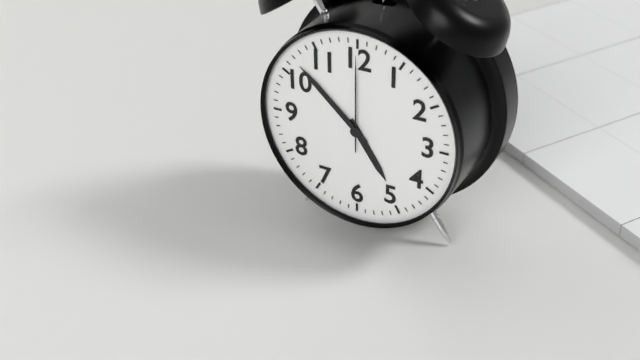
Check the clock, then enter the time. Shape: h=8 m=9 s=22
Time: h=4 m=52 s=0
